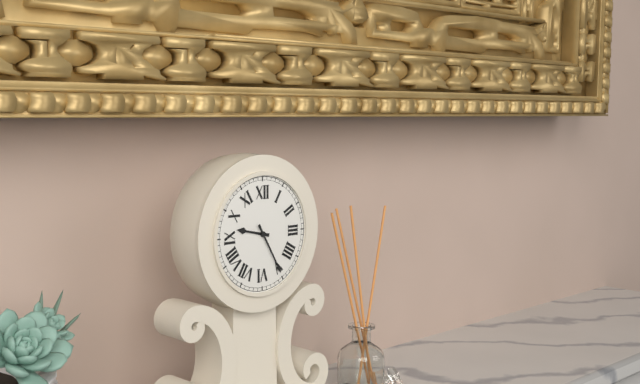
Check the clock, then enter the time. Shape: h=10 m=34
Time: h=9 m=25
